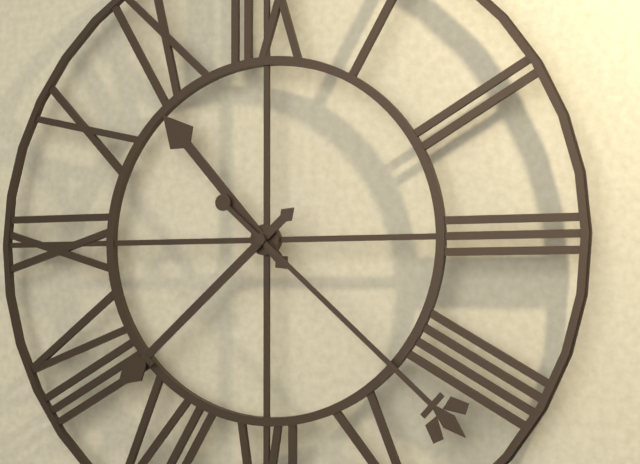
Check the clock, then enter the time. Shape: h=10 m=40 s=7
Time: h=10 m=38 s=22
